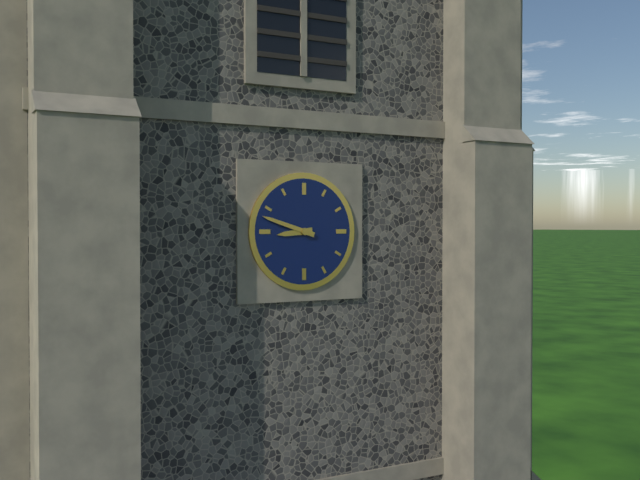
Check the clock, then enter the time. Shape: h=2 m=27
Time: h=8 m=48
